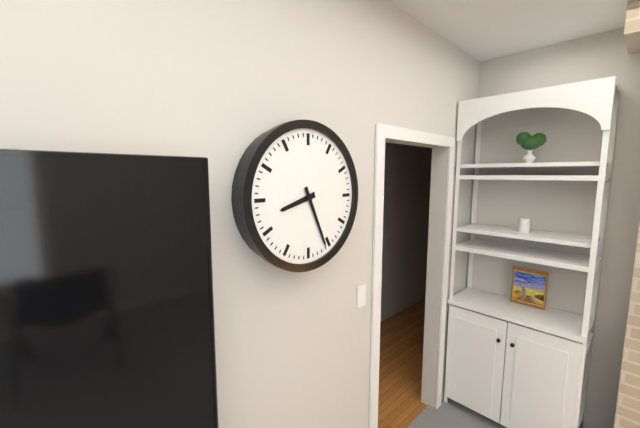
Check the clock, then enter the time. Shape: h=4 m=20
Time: h=8 m=26
